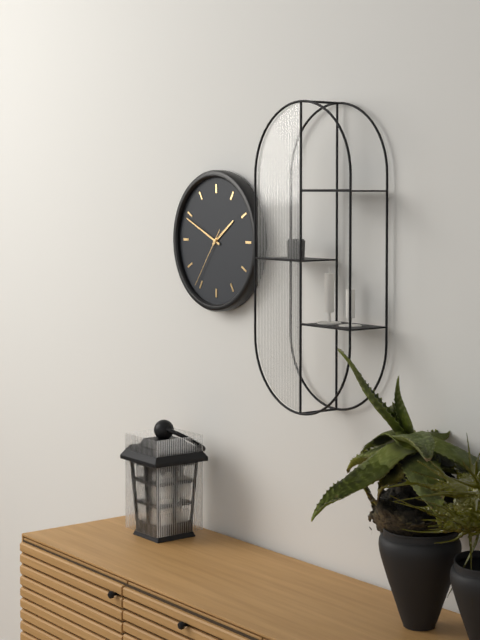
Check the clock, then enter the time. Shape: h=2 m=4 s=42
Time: h=1 m=49 s=36
